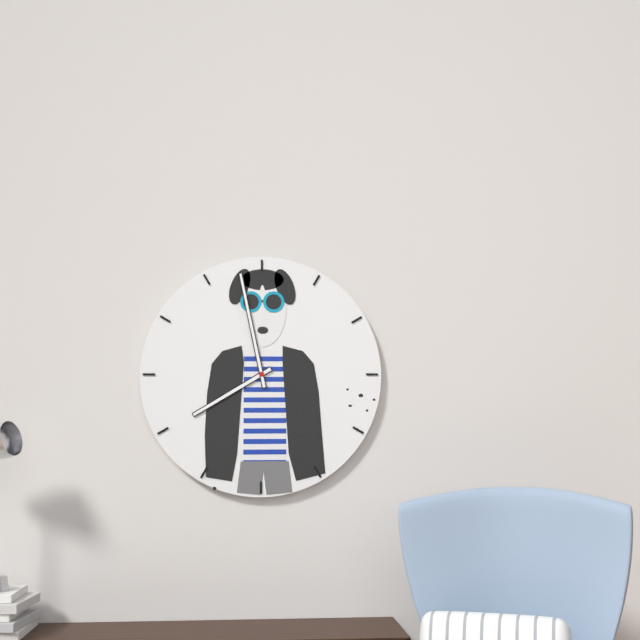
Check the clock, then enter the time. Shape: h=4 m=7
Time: h=7 m=58
